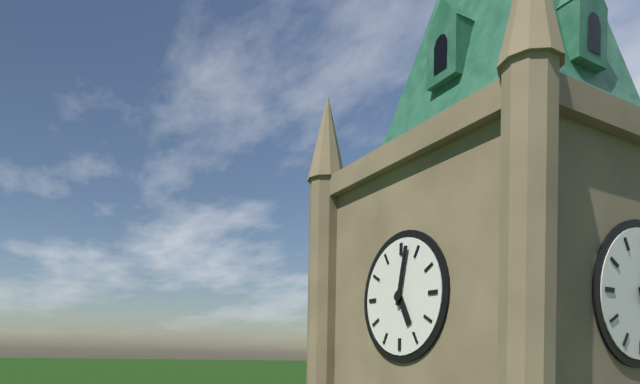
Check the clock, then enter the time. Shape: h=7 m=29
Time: h=5 m=2
